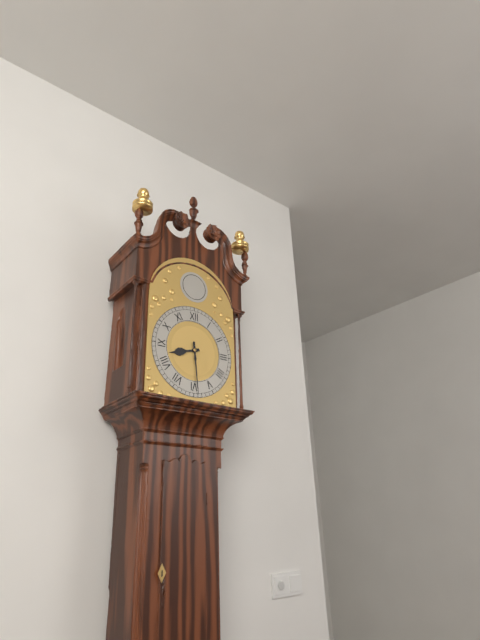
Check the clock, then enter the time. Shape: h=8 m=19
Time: h=8 m=29
